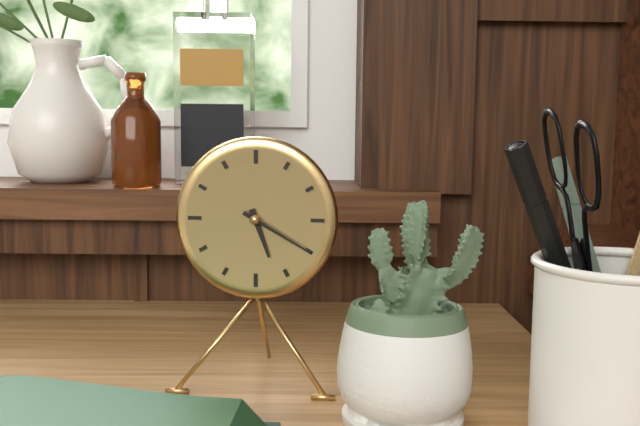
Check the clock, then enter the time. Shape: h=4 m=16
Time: h=5 m=20
